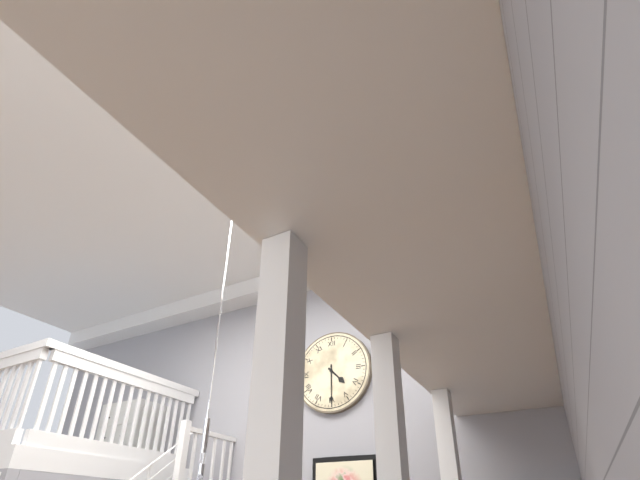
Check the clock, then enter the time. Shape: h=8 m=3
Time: h=4 m=30
